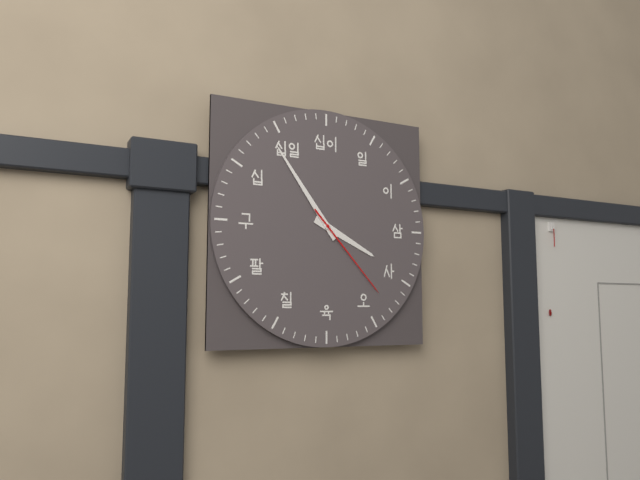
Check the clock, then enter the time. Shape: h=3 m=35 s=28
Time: h=3 m=54 s=23
